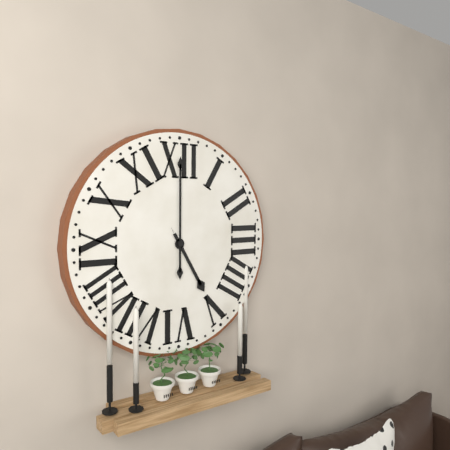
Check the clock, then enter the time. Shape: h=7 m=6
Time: h=5 m=0
